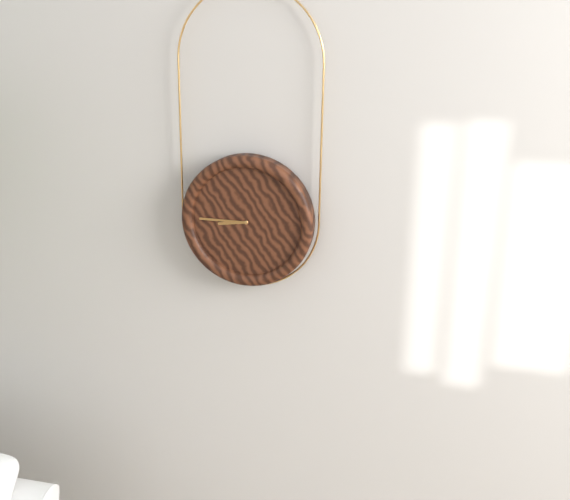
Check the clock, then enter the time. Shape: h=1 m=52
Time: h=8 m=45
